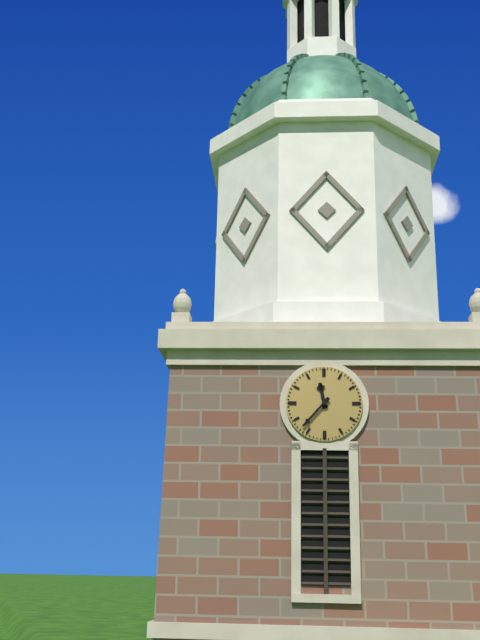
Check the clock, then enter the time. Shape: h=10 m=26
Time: h=11 m=37
